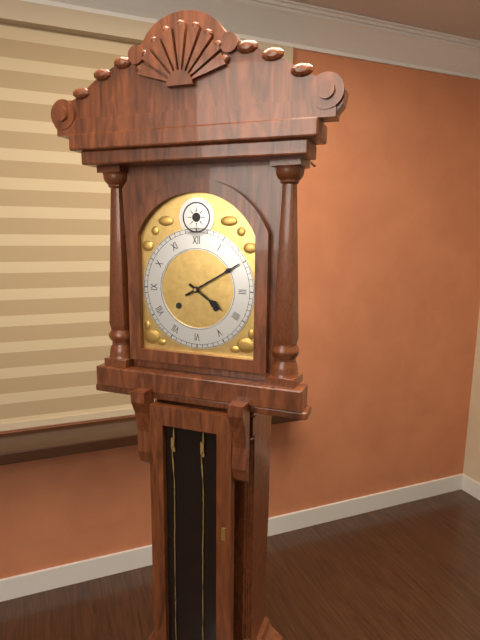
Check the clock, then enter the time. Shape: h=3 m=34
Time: h=4 m=10
